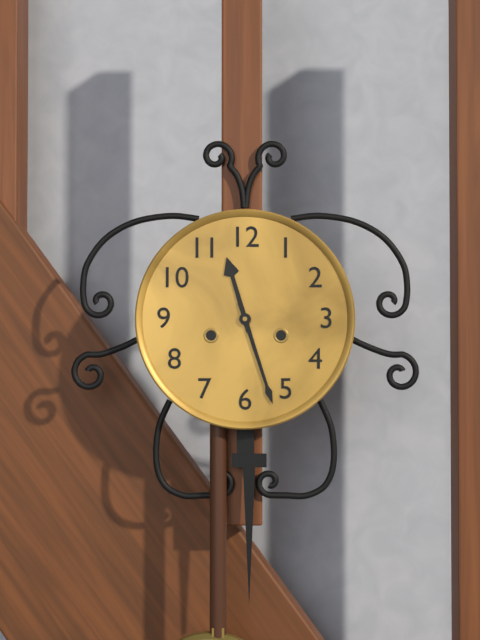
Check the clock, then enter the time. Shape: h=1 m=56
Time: h=11 m=27
